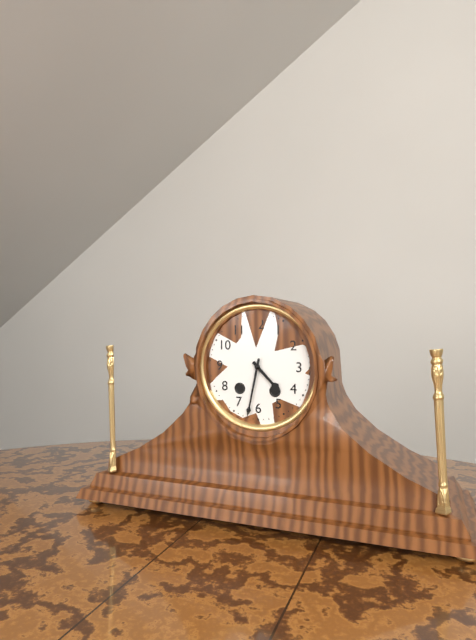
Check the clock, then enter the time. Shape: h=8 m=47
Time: h=4 m=32
